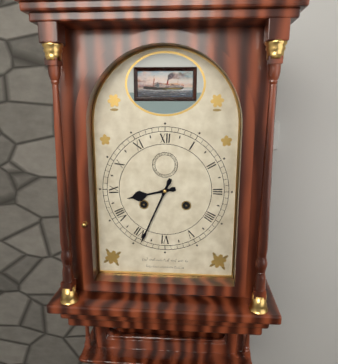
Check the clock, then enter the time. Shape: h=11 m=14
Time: h=8 m=34
